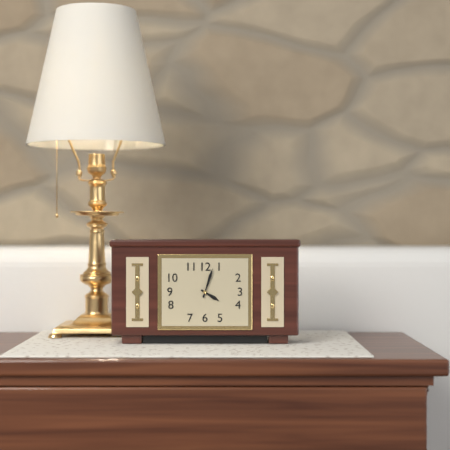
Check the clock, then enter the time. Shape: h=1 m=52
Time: h=4 m=3
